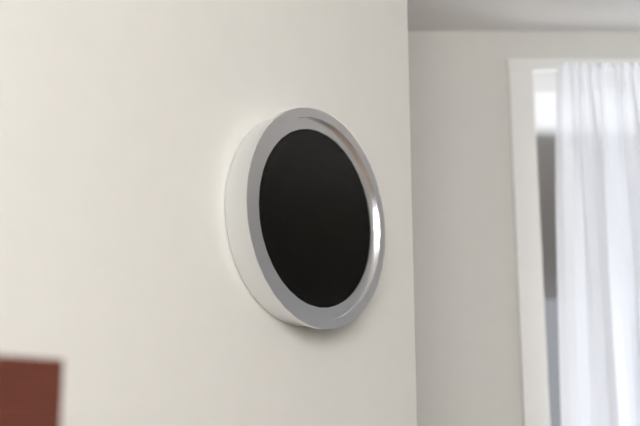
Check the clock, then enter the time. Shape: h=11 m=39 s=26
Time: h=1 m=57 s=21
